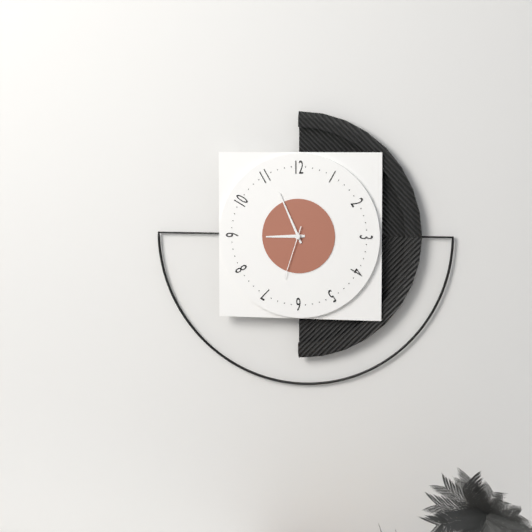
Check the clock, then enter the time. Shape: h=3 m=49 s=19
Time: h=8 m=56 s=33
